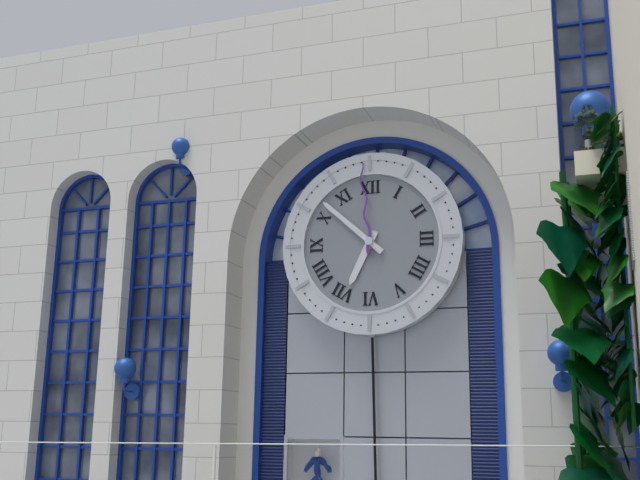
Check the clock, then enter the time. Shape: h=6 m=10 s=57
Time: h=6 m=52 s=59
